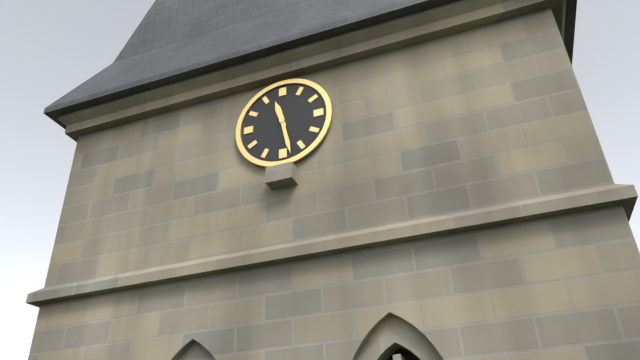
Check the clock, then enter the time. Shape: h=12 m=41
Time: h=11 m=28
